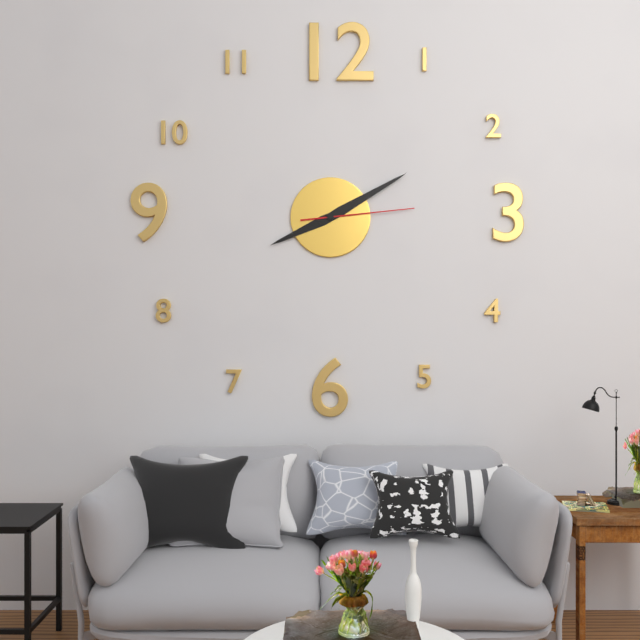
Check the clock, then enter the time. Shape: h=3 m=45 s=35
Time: h=8 m=10 s=14
